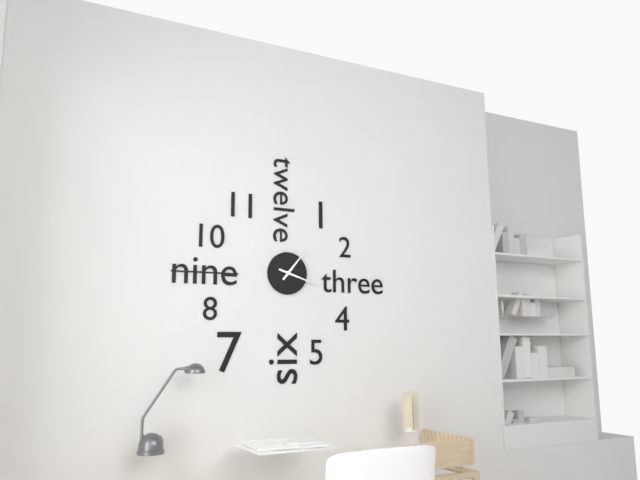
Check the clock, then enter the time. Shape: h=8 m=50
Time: h=1 m=18
